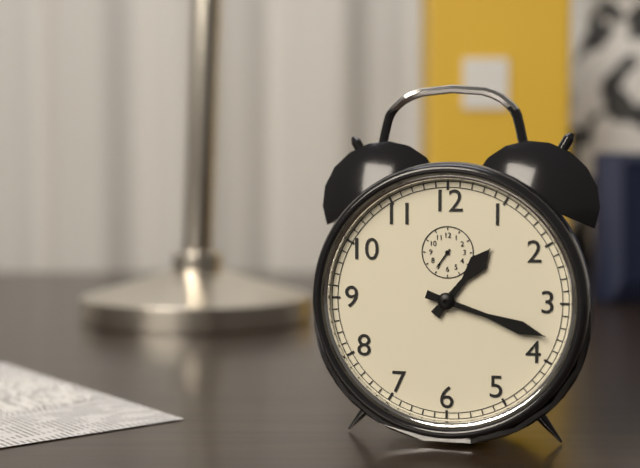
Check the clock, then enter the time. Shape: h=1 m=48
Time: h=1 m=18
